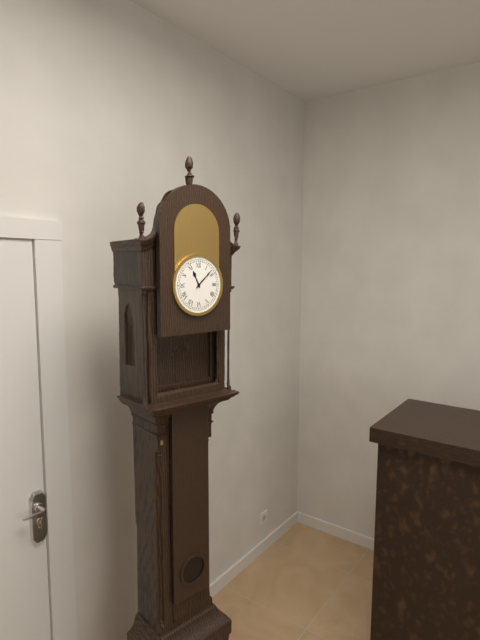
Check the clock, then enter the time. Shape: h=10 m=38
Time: h=11 m=8
